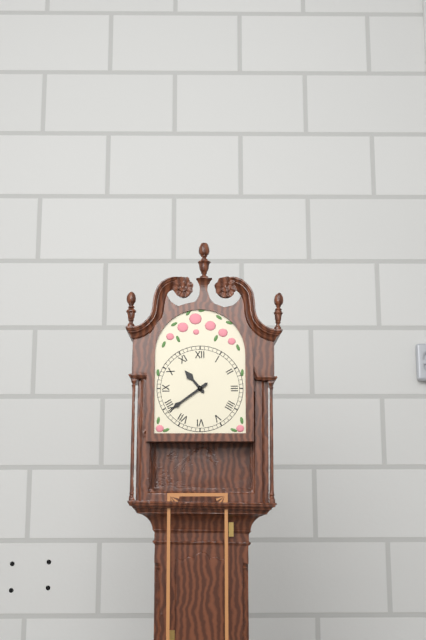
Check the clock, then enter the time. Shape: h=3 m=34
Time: h=10 m=39
